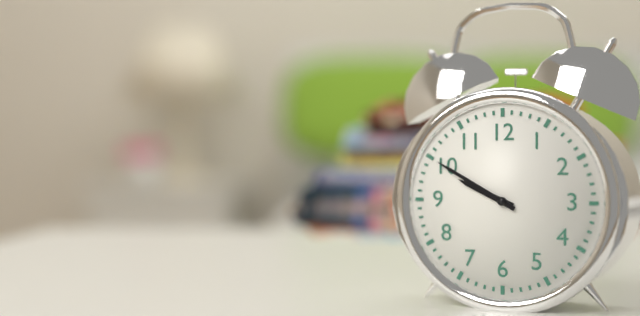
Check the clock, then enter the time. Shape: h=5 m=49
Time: h=9 m=50
